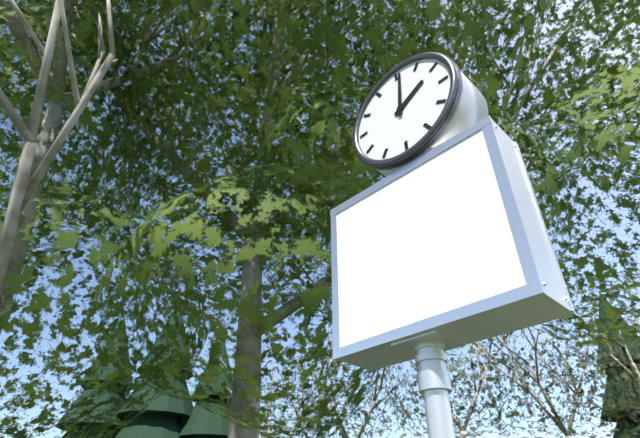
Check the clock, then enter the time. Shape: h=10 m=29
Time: h=2 m=1
